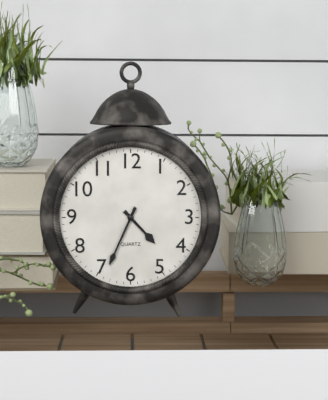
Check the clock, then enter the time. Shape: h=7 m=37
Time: h=4 m=34
